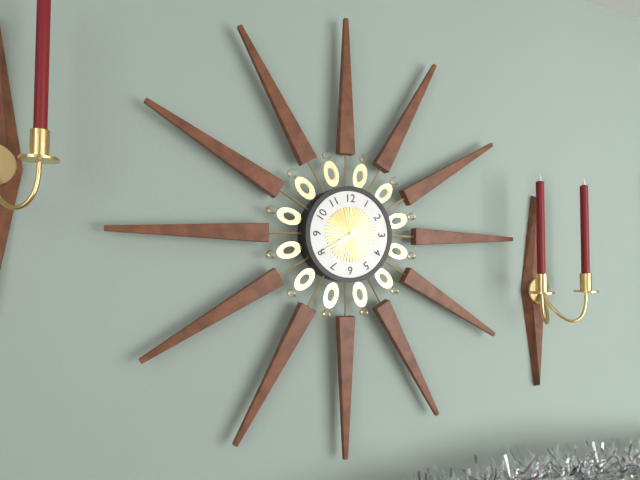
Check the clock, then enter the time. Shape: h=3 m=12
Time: h=7 m=40
